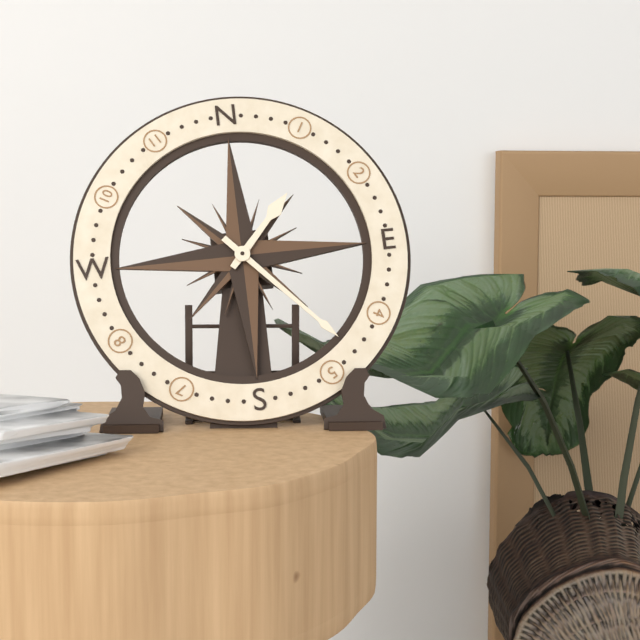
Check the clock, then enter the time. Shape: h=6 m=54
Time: h=1 m=23
